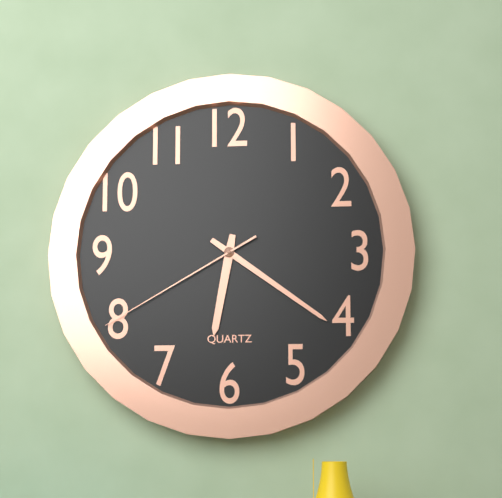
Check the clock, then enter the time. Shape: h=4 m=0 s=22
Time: h=6 m=21 s=40
